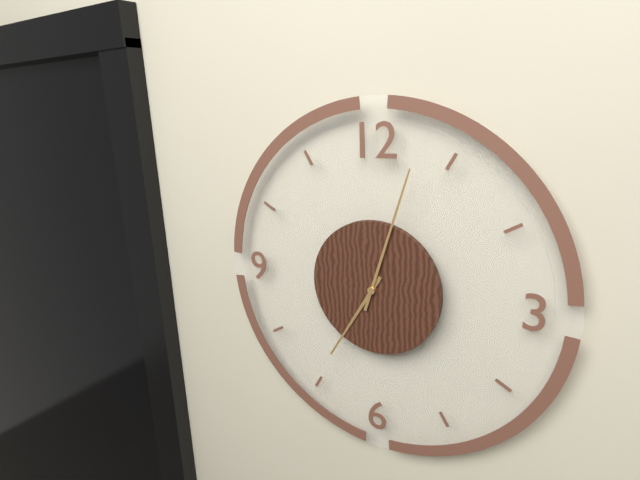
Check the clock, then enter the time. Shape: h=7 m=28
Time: h=7 m=3
